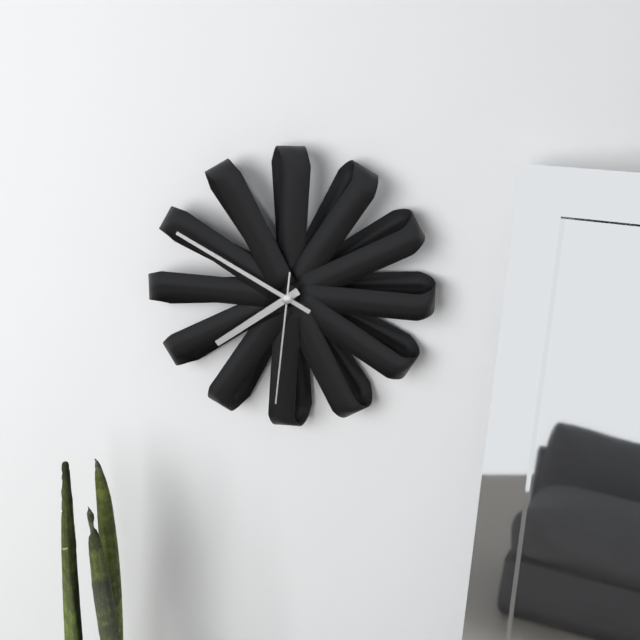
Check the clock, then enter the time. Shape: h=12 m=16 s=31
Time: h=7 m=50 s=31
